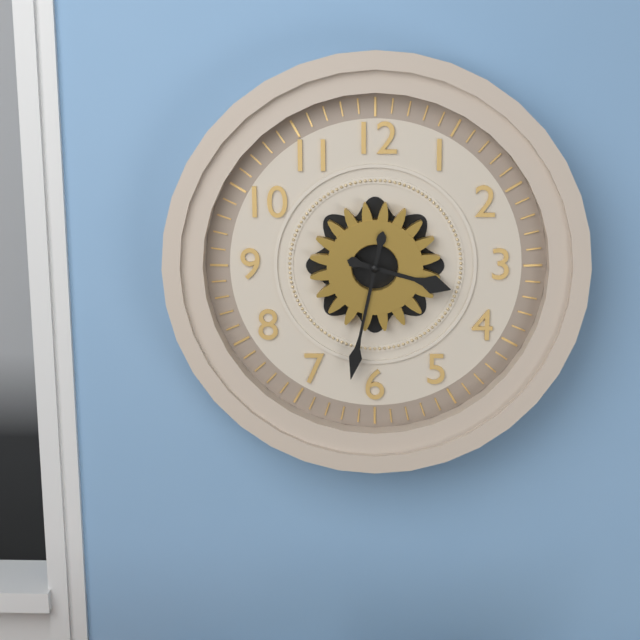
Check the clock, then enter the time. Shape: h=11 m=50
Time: h=3 m=32
